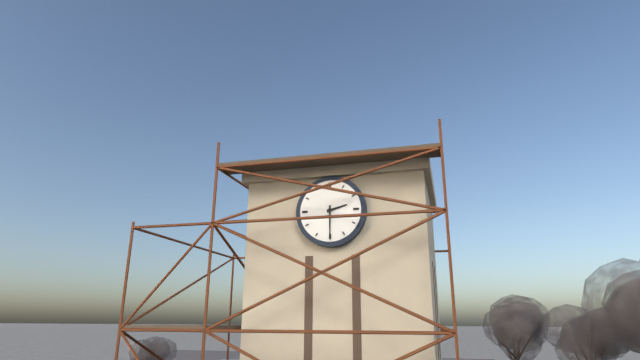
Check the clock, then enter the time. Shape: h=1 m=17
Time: h=2 m=30
